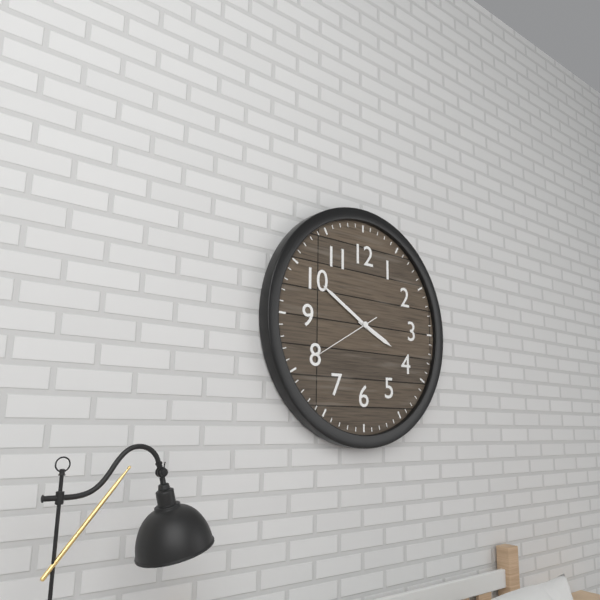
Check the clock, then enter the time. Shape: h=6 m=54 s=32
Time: h=3 m=50 s=40
